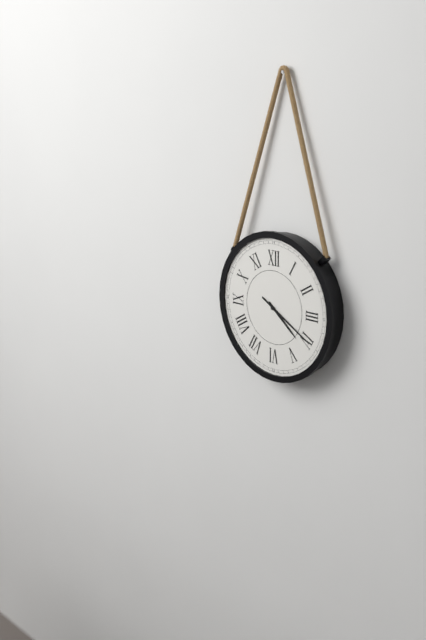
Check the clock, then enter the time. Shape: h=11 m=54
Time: h=4 m=20
